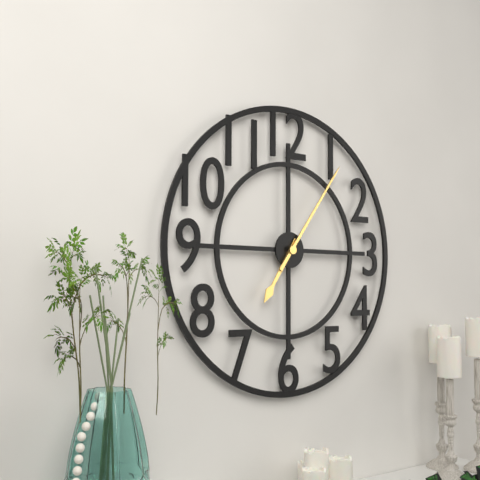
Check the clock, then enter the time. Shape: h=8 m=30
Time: h=7 m=6
